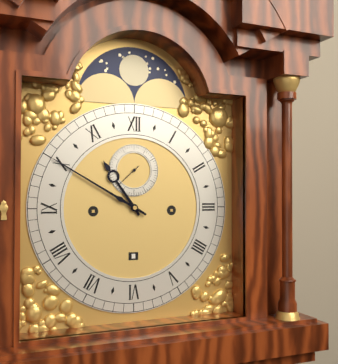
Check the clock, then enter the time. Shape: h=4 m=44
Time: h=10 m=50
